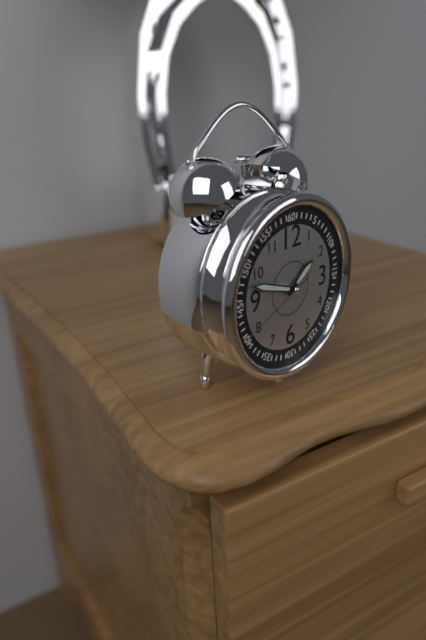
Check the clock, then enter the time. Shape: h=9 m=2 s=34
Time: h=1 m=48 s=41
